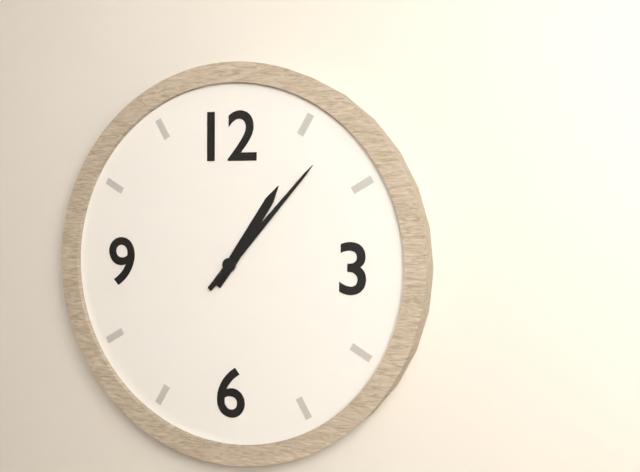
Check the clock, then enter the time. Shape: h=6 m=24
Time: h=1 m=7
